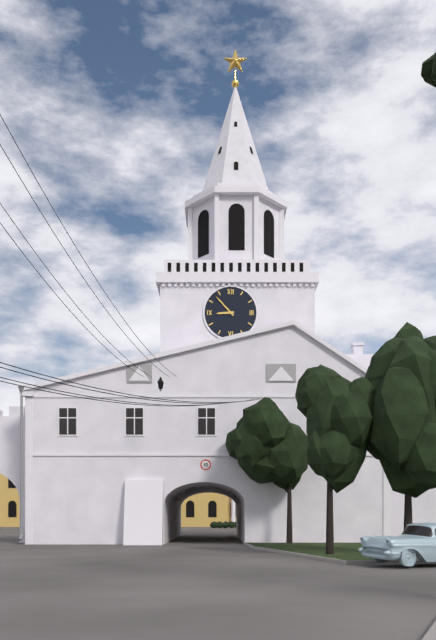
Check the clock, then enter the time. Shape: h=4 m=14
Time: h=8 m=53
